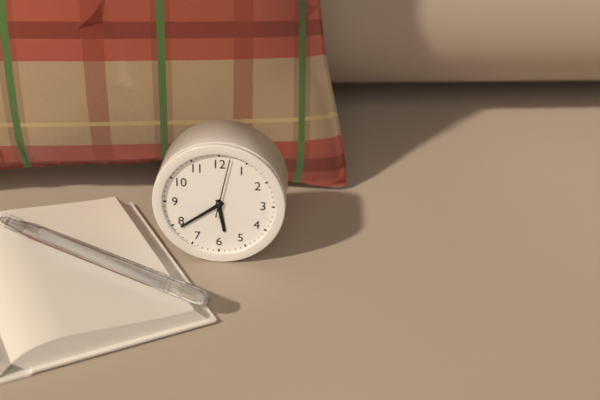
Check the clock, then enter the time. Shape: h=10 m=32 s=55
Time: h=5 m=39 s=2
